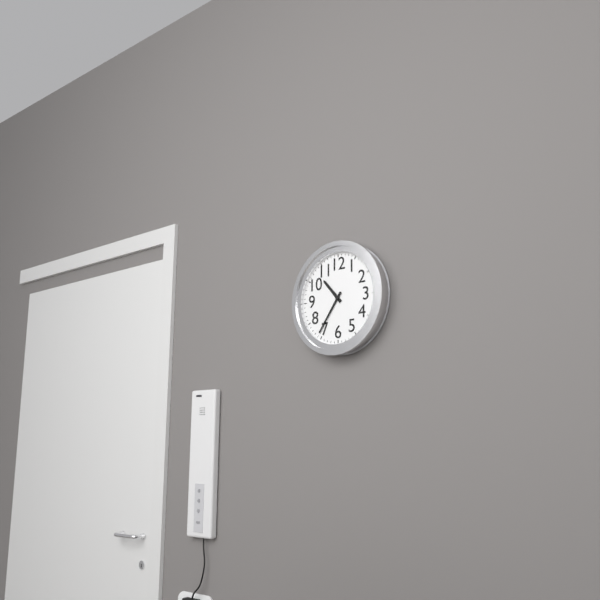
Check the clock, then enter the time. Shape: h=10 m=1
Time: h=10 m=36
